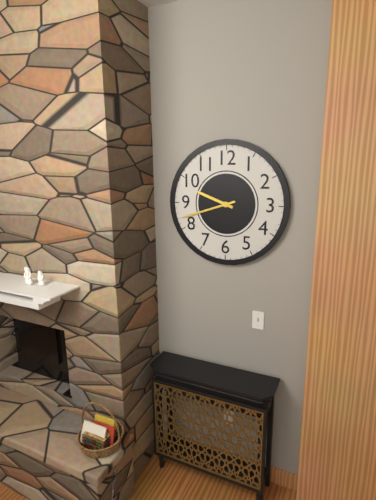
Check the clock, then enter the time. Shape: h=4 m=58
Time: h=9 m=42
